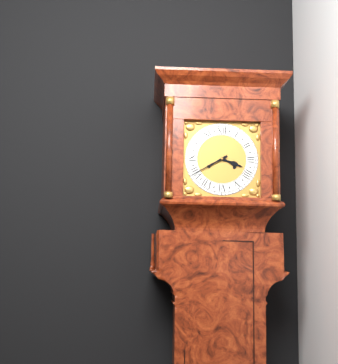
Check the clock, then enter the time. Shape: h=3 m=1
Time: h=3 m=40
